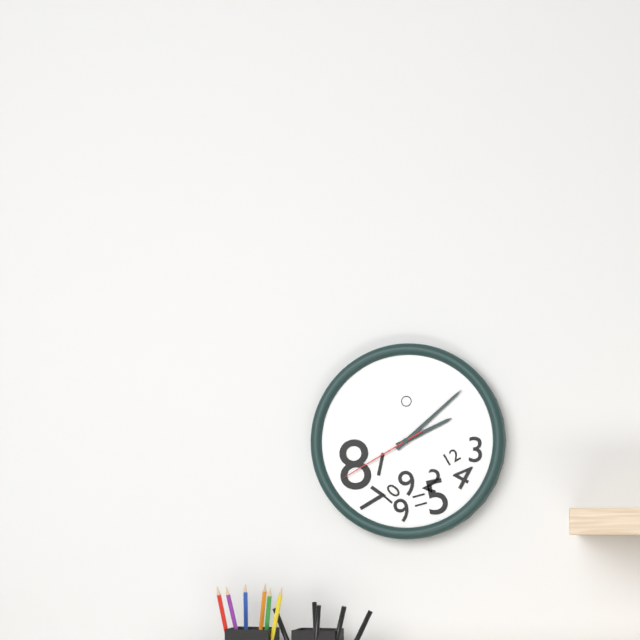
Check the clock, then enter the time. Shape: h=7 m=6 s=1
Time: h=2 m=8 s=40
